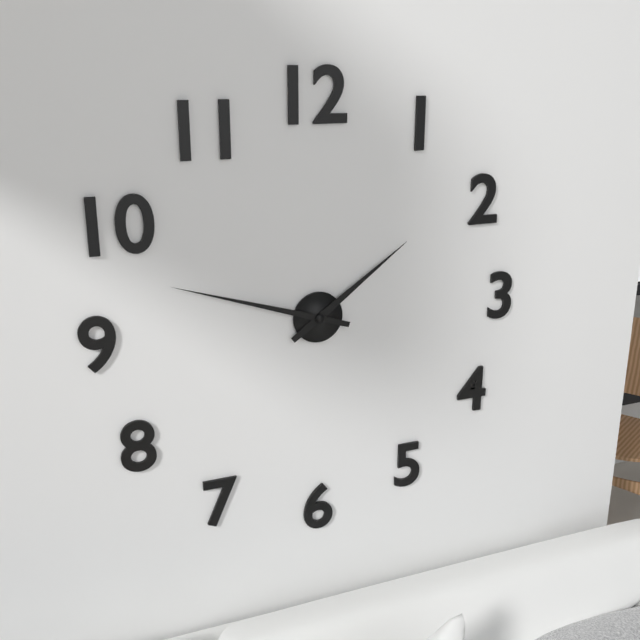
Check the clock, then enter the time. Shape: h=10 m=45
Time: h=1 m=48
